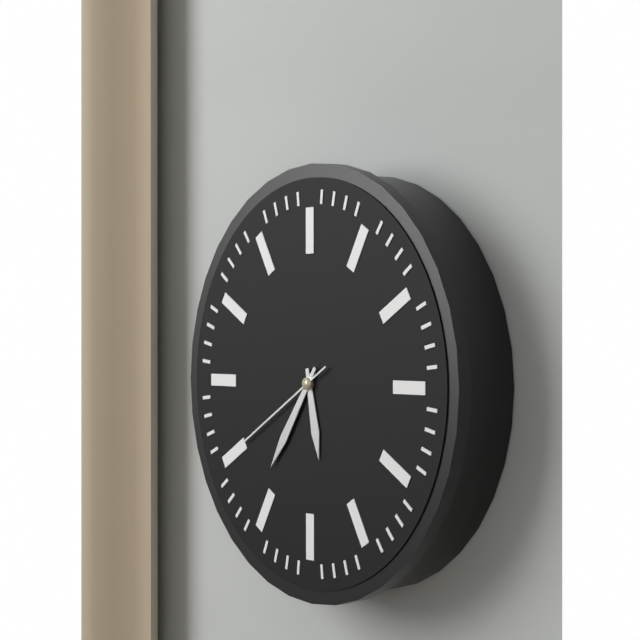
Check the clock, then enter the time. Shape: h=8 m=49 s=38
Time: h=5 m=36 s=40
